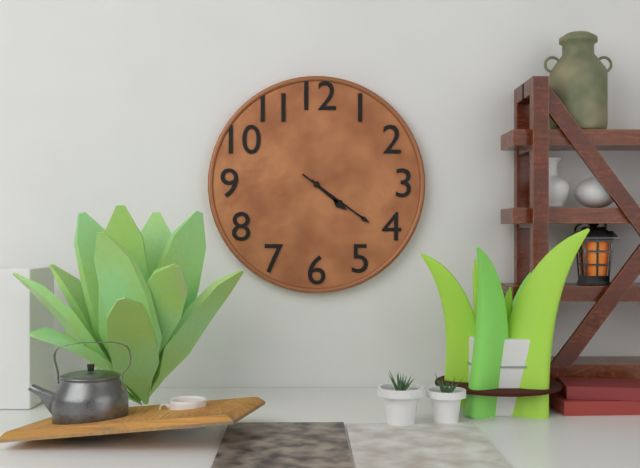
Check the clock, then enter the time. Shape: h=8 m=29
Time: h=4 m=21
